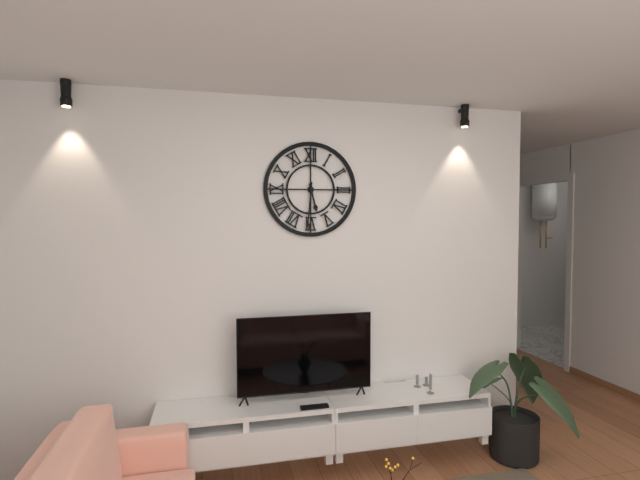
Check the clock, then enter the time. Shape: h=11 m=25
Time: h=5 m=31
